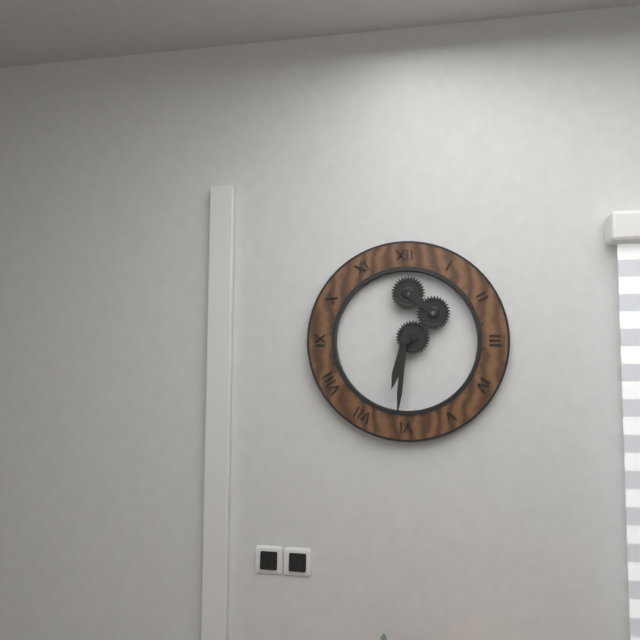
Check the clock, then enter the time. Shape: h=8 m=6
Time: h=6 m=31
